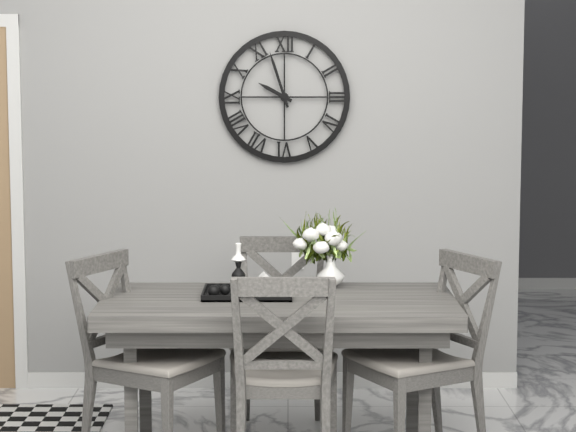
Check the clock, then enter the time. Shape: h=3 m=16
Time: h=9 m=57
